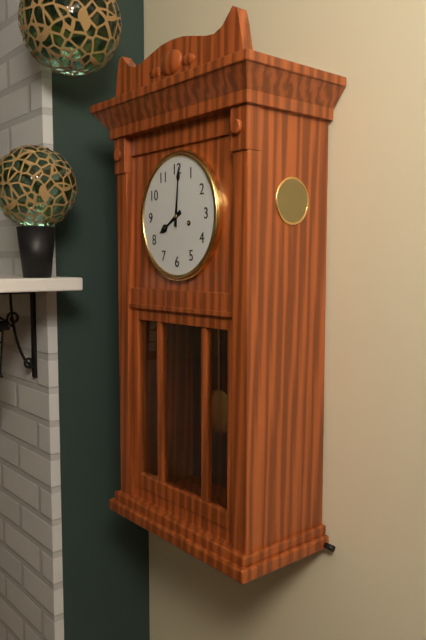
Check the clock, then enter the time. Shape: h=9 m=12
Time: h=8 m=1
